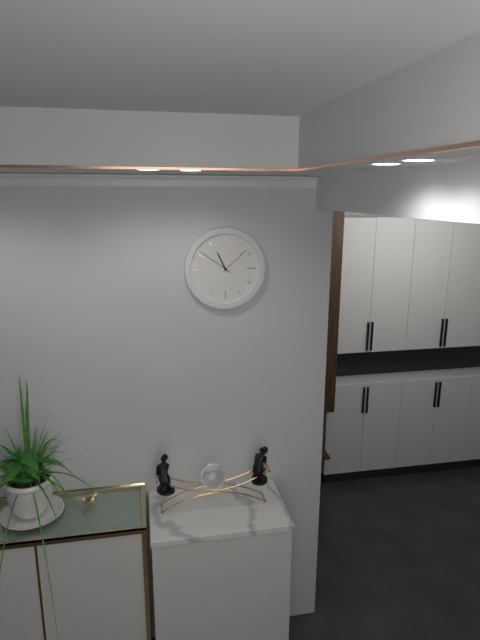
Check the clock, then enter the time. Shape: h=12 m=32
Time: h=11 m=8
